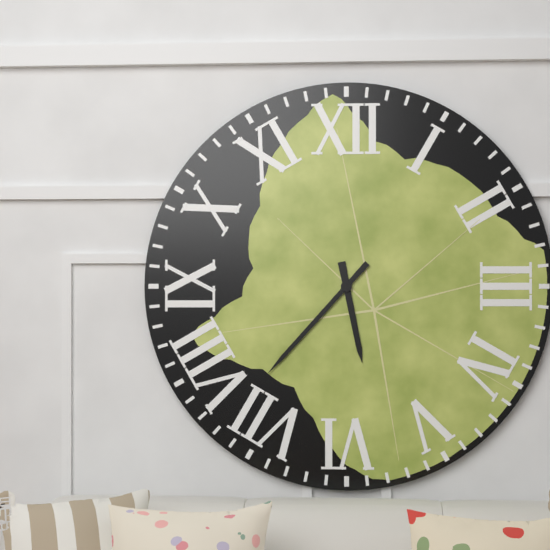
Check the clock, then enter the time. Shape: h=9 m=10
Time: h=5 m=37
